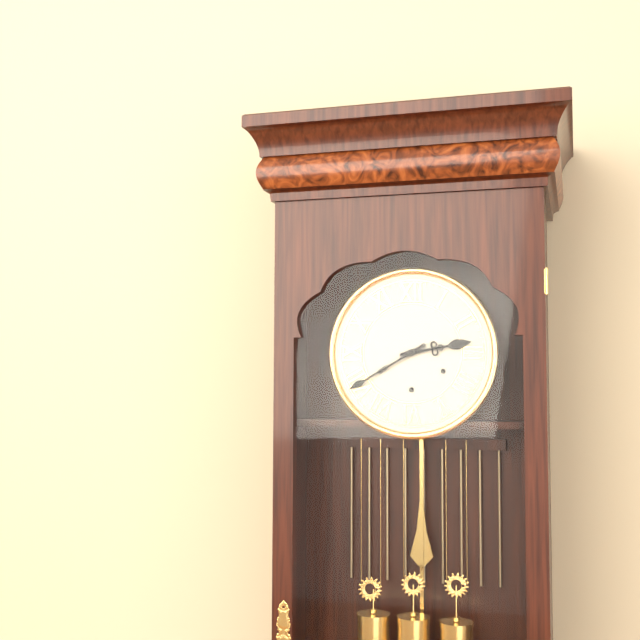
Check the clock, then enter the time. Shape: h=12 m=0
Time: h=2 m=40
